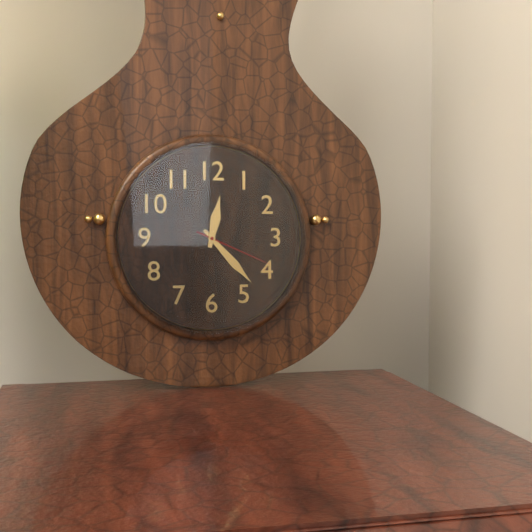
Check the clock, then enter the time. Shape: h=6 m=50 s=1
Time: h=12 m=23 s=19
